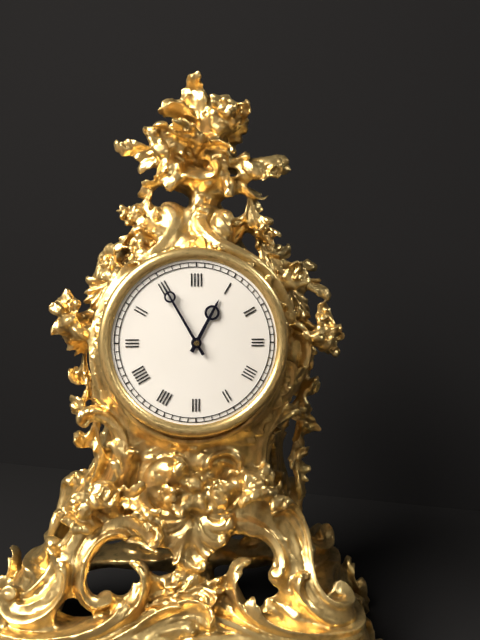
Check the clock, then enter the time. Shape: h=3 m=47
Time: h=12 m=55
